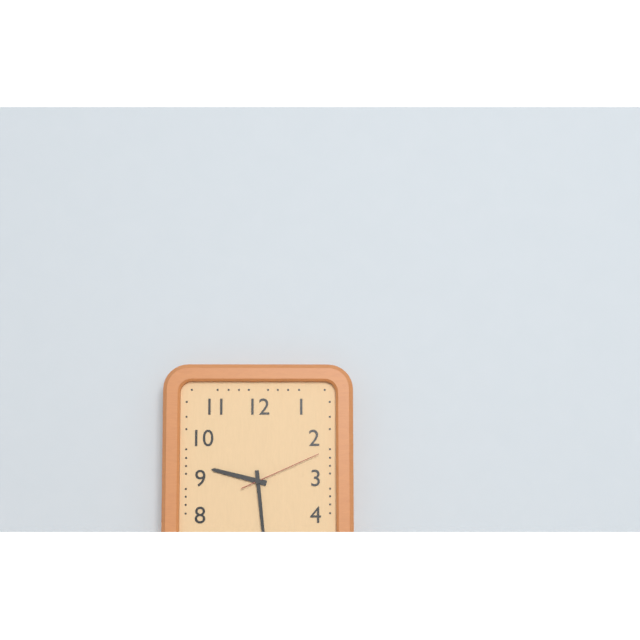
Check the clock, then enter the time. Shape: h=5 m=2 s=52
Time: h=9 m=29 s=11
